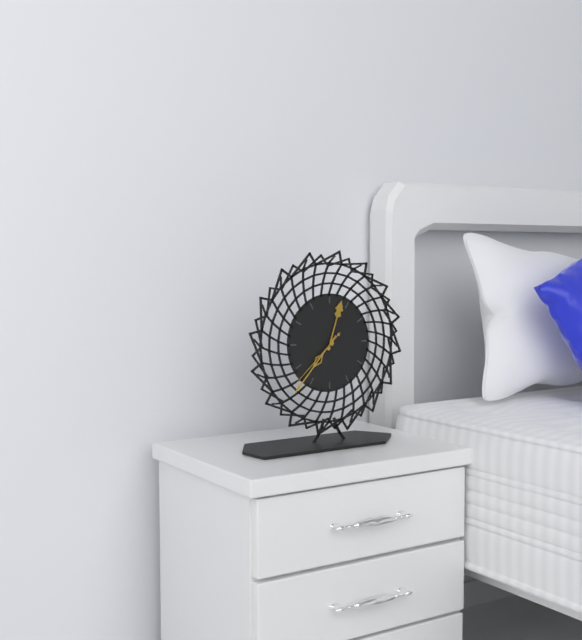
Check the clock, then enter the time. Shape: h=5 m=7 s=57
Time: h=12 m=37 s=38
